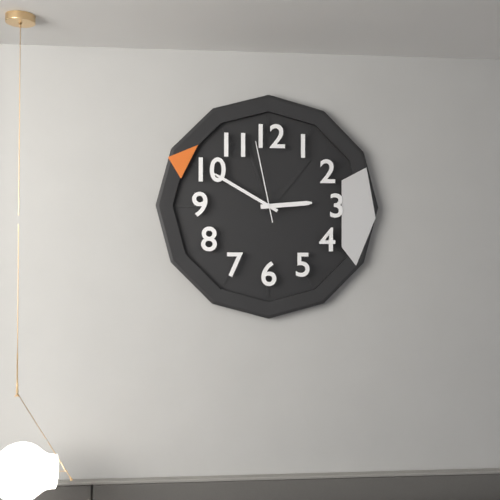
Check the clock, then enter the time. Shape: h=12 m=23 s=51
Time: h=2 m=50 s=58
